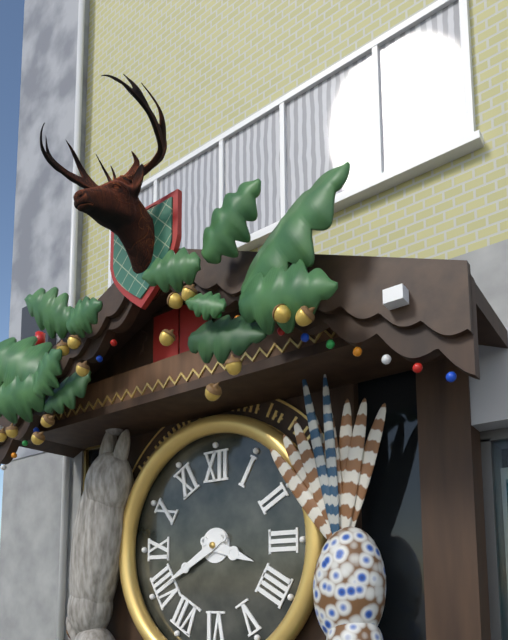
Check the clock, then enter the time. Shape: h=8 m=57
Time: h=3 m=40
